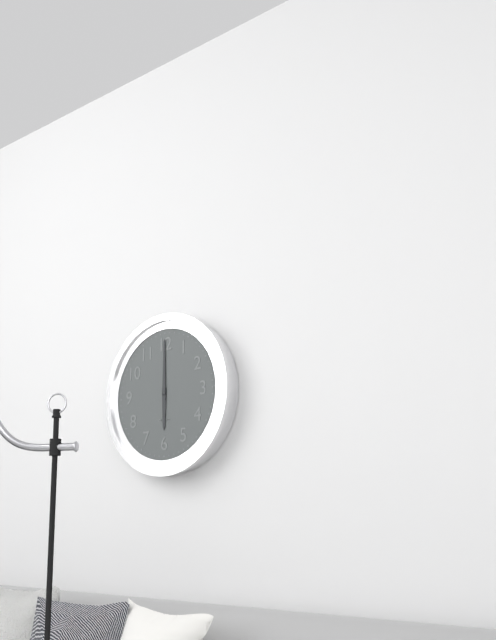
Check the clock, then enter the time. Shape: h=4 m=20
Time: h=6 m=0
